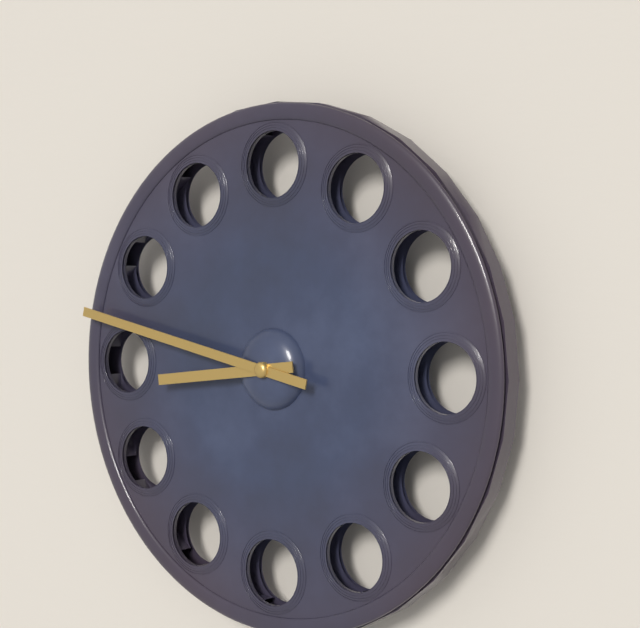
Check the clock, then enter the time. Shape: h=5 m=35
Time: h=8 m=47
